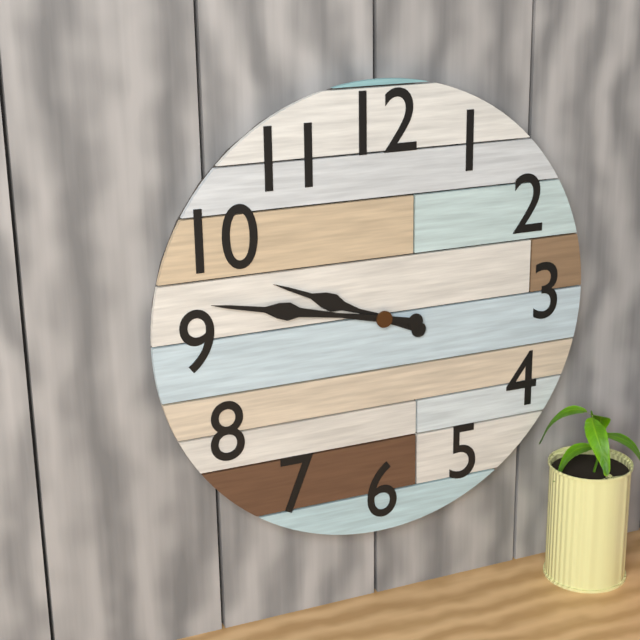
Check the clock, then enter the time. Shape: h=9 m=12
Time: h=9 m=47
